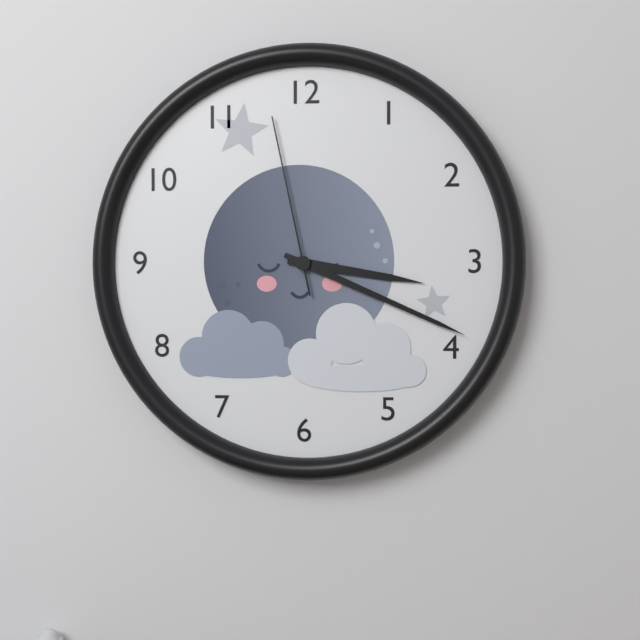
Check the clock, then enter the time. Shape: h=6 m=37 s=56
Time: h=3 m=19 s=58
